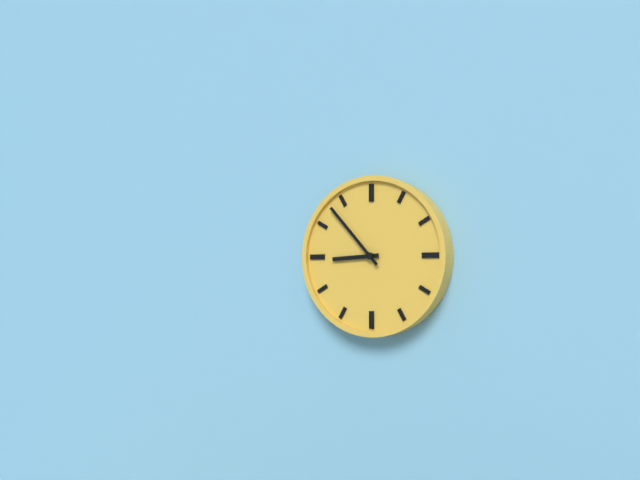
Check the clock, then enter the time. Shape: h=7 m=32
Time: h=8 m=53
